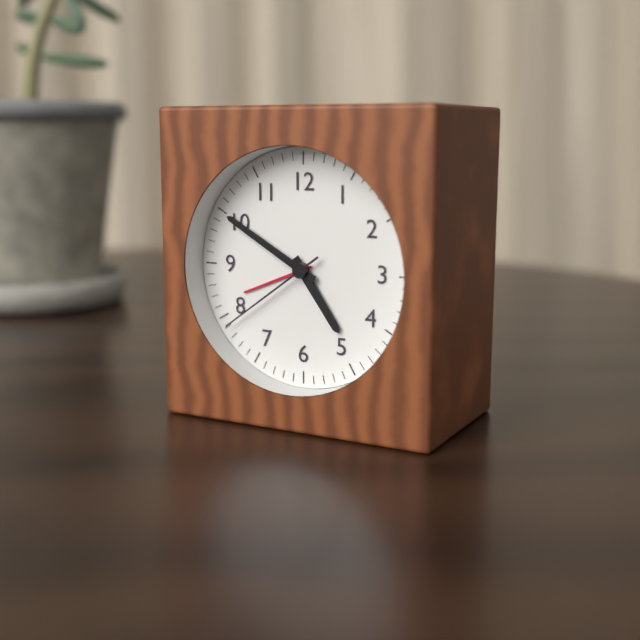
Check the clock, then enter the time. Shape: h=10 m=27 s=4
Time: h=4 m=50 s=39
